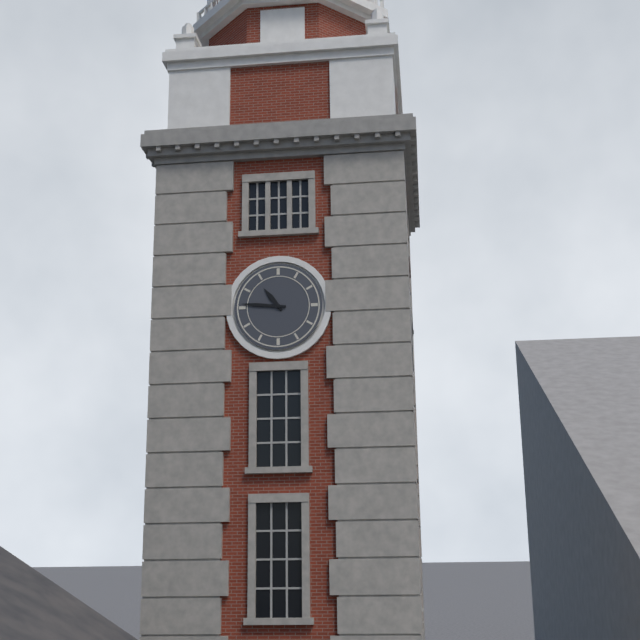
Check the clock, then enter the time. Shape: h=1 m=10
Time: h=10 m=46
